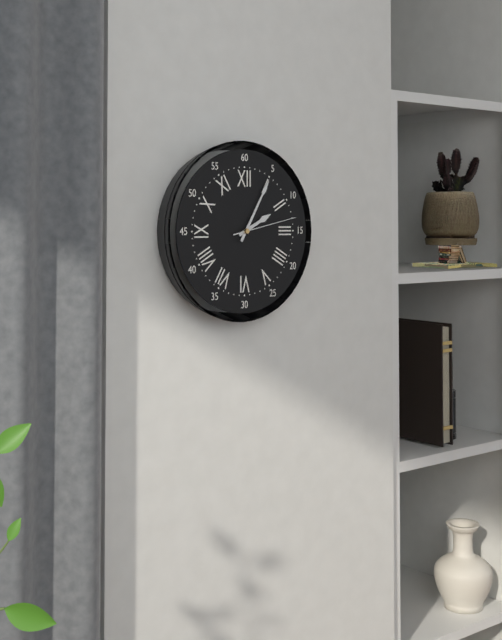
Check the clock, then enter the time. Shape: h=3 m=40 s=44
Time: h=2 m=5 s=13
